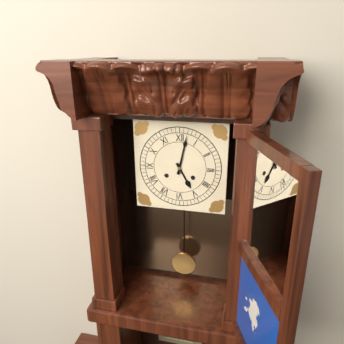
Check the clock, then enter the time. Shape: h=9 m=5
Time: h=5 m=2
